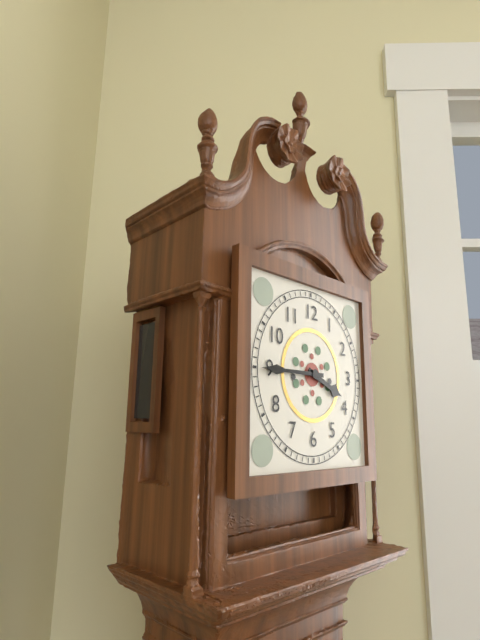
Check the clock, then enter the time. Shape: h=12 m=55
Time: h=3 m=45
